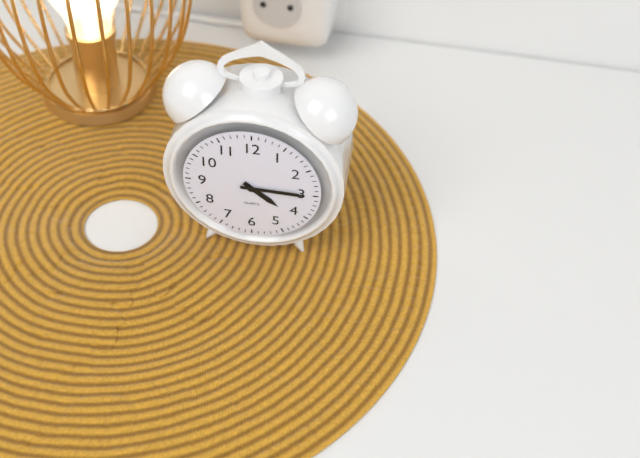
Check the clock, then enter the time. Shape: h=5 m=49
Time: h=4 m=15
